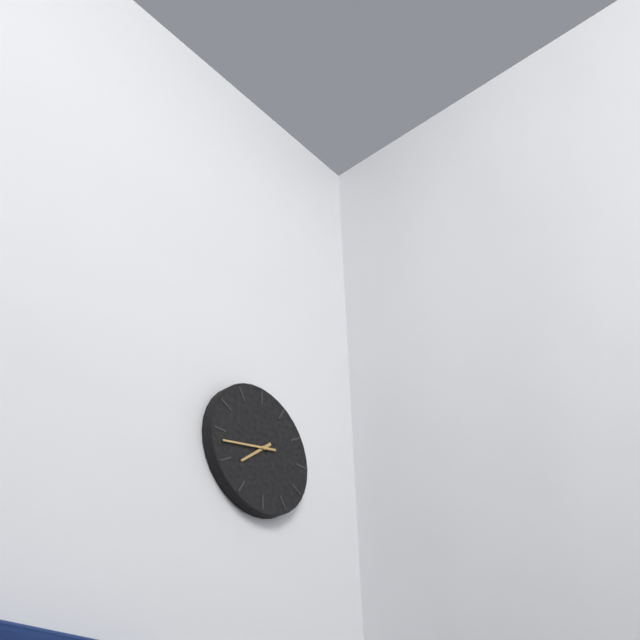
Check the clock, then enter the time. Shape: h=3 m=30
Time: h=7 m=43
